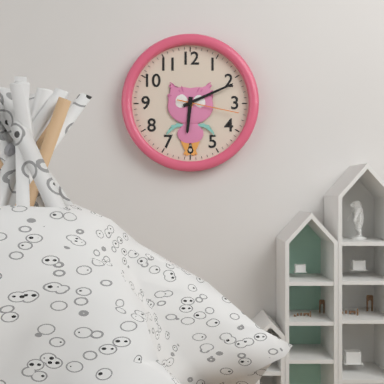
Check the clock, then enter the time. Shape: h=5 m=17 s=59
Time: h=6 m=11 s=17
